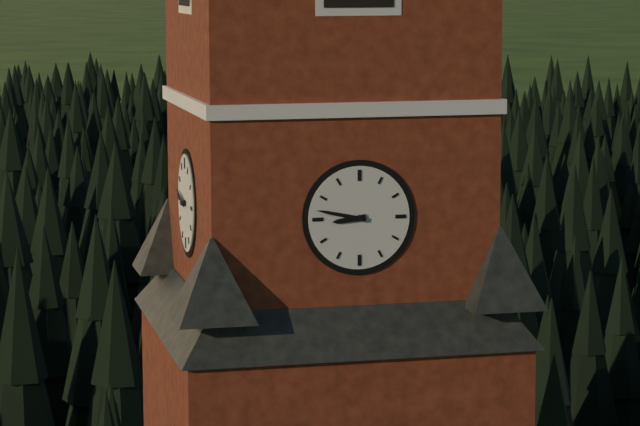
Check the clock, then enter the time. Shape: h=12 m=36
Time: h=8 m=47
